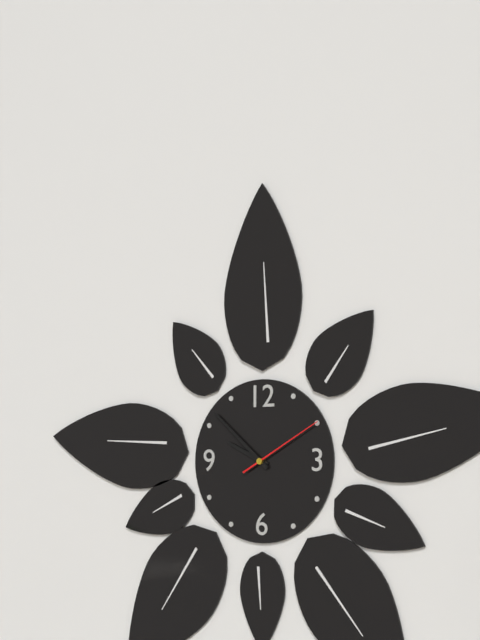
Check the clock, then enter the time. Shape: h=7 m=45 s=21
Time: h=9 m=52 s=10
